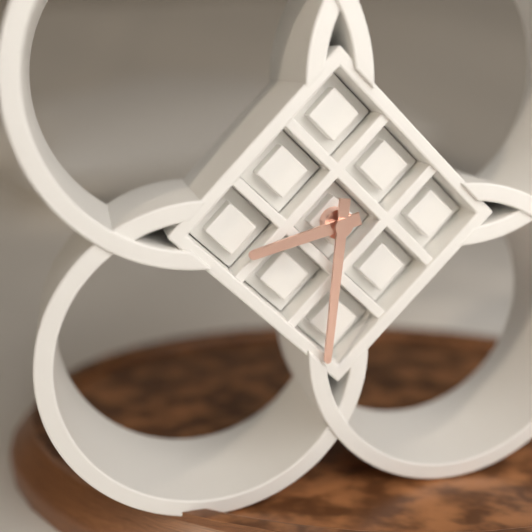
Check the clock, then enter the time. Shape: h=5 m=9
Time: h=8 m=31
